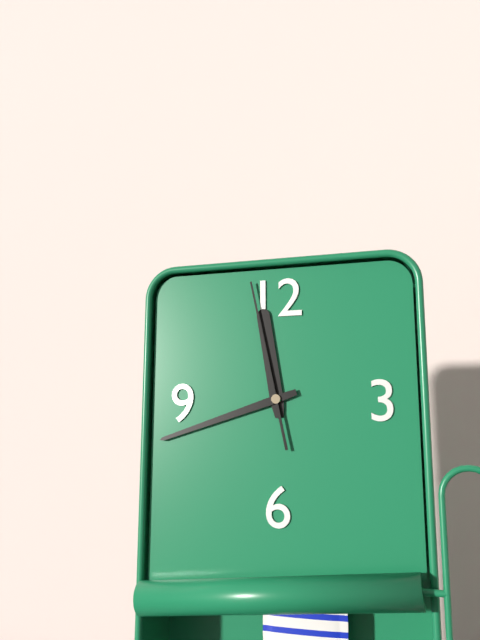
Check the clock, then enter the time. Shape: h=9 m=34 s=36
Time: h=11 m=42 s=58
